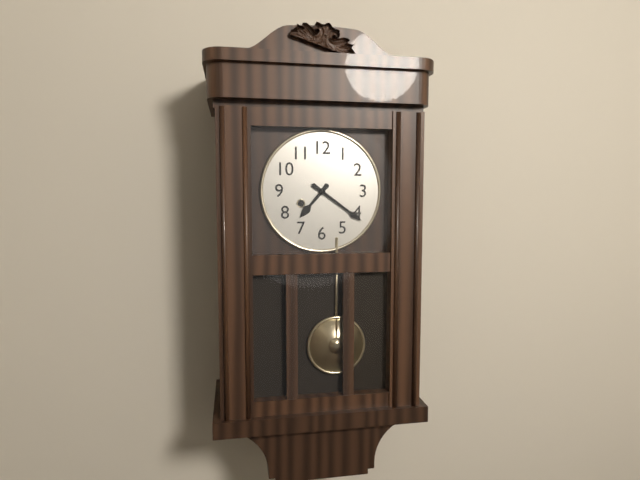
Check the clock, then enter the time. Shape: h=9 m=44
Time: h=7 m=21
